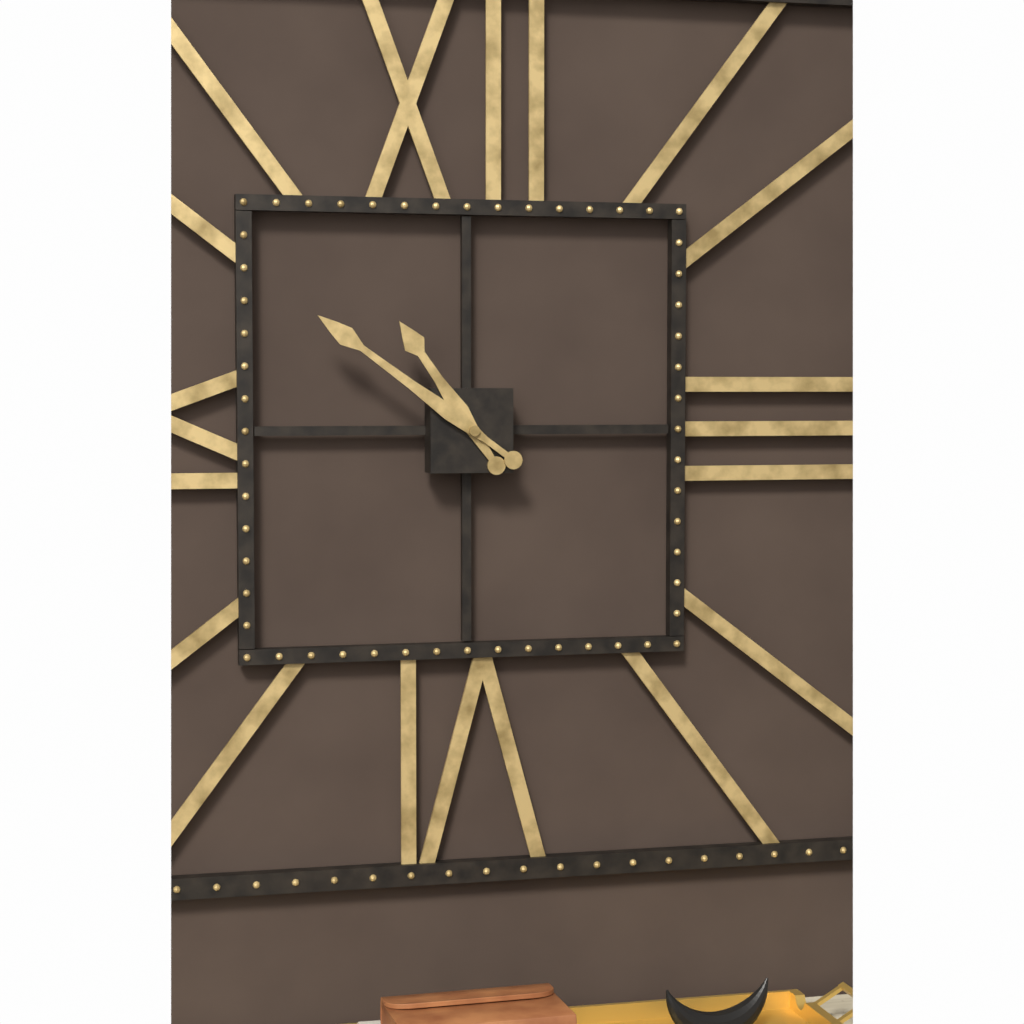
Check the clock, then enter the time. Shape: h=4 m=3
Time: h=10 m=51
